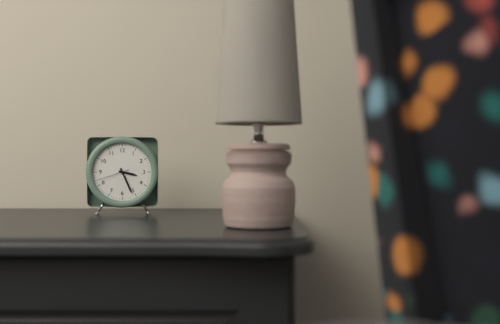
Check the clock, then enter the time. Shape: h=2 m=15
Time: h=3 m=26
